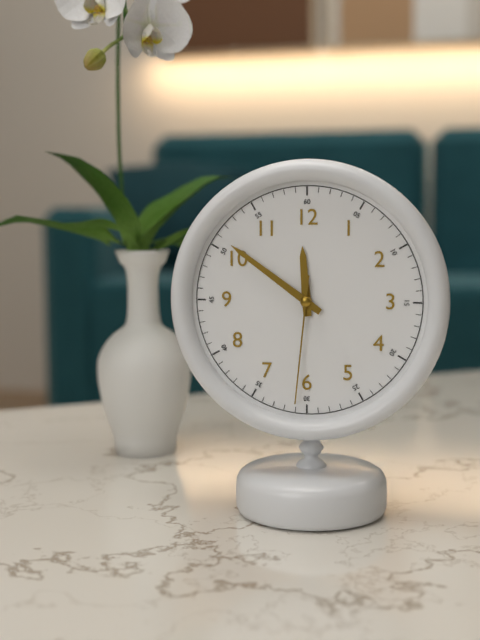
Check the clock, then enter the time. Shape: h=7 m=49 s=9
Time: h=11 m=51 s=31
